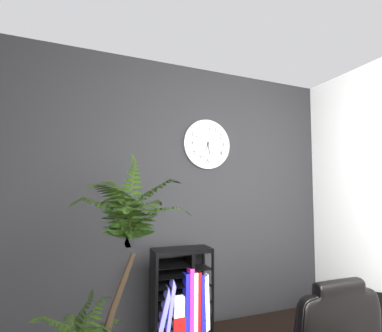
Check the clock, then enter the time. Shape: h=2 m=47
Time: h=5 m=34
